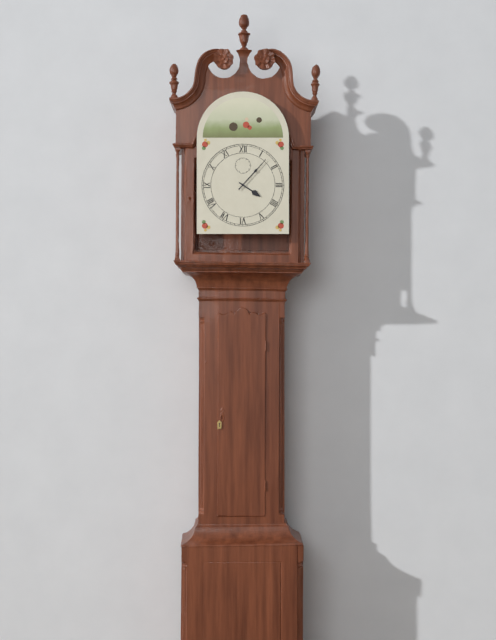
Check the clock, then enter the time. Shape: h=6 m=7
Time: h=4 m=7
